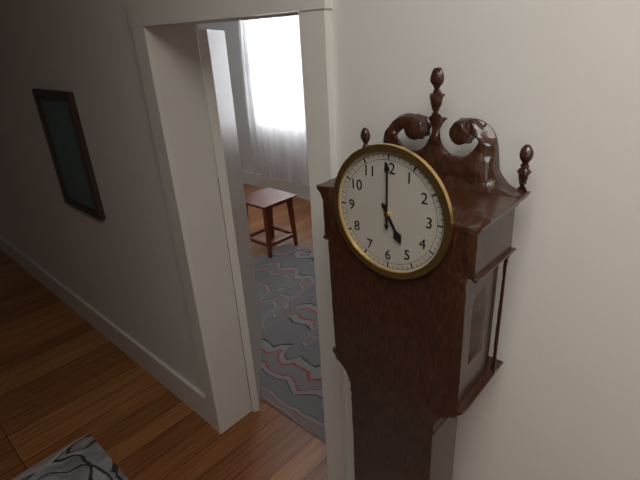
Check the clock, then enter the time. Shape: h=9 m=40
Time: h=5 m=0
